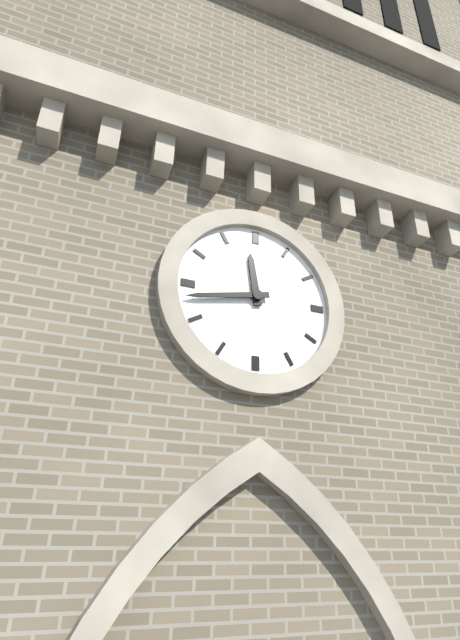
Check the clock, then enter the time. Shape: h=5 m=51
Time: h=11 m=43
